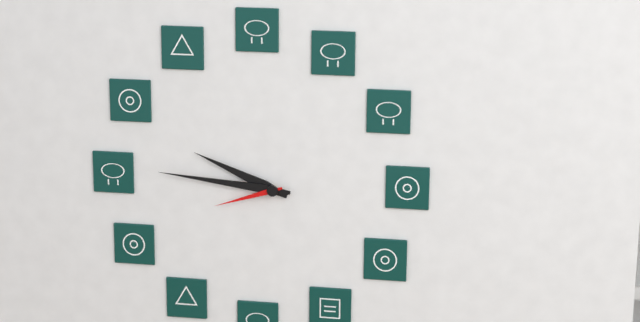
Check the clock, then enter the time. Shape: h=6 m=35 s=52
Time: h=9 m=46 s=42
